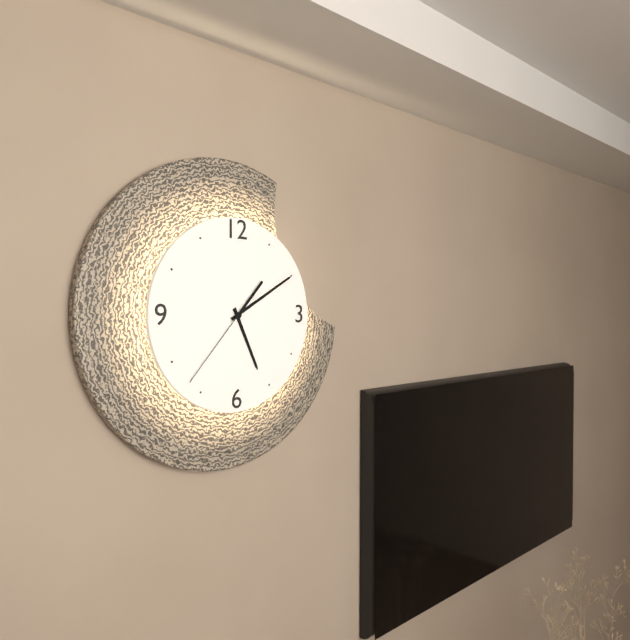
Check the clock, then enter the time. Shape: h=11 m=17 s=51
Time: h=5 m=10 s=37
